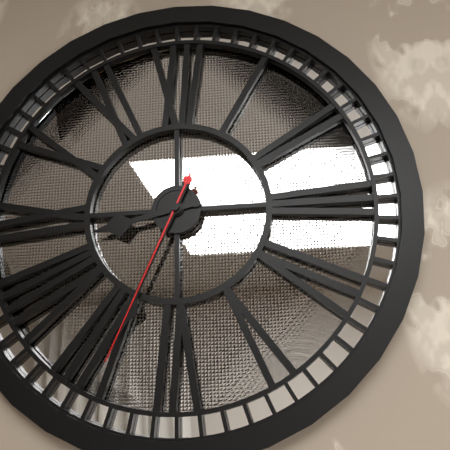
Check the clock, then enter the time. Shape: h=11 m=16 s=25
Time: h=8 m=34 s=34
